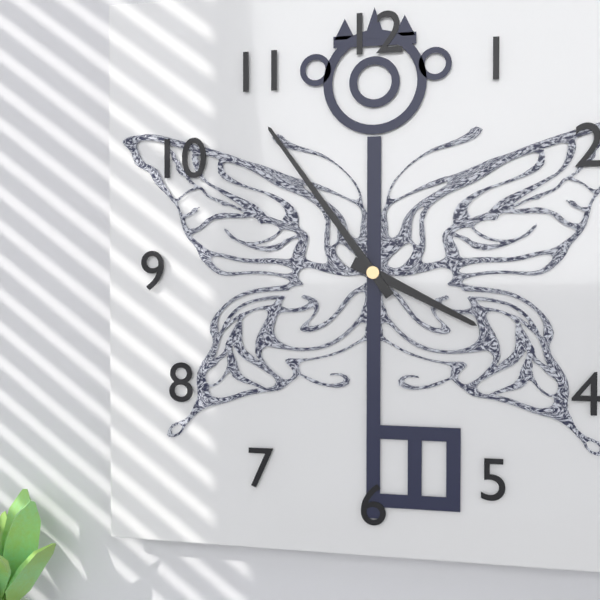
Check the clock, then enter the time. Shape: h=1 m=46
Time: h=3 m=54
